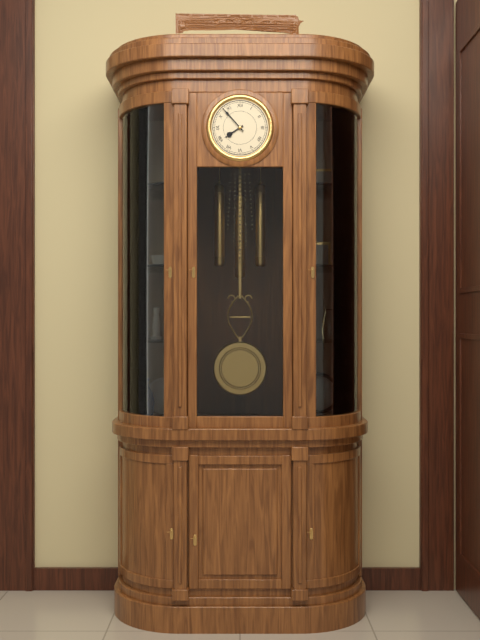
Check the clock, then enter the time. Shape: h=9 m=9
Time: h=7 m=53
